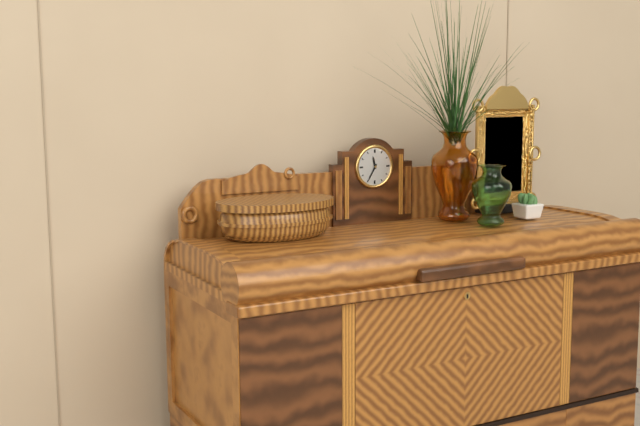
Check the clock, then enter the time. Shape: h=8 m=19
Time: h=11 m=35
